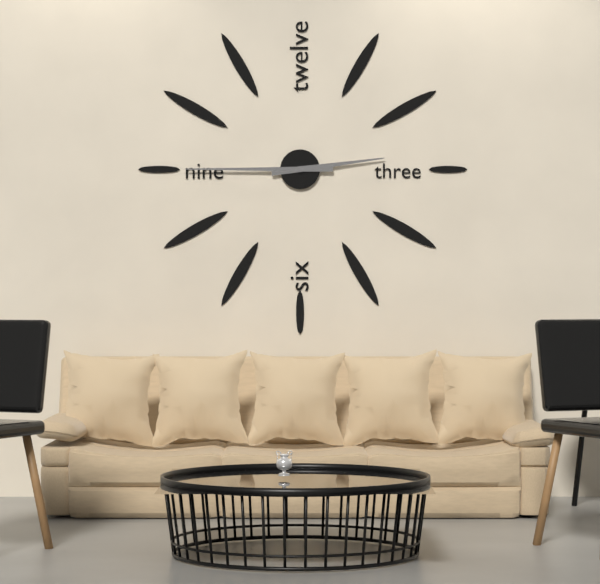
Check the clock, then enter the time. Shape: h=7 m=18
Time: h=2 m=45
